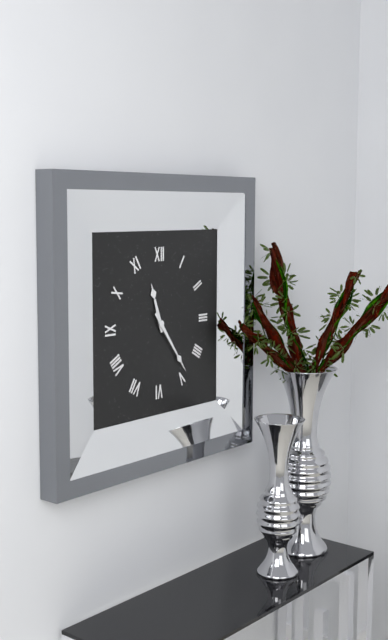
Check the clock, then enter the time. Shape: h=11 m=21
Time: h=11 m=24
